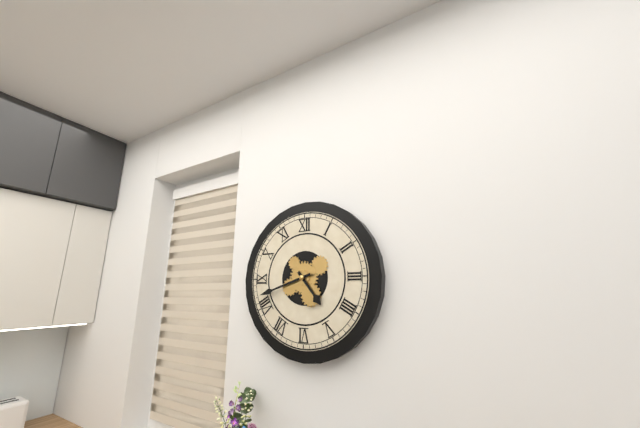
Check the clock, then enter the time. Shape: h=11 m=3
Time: h=4 m=42
